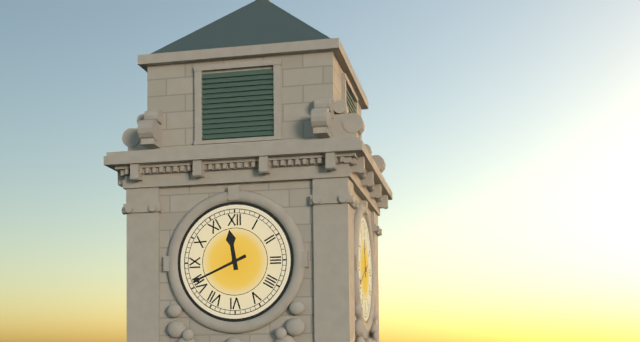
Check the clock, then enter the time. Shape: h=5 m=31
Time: h=11 m=41
